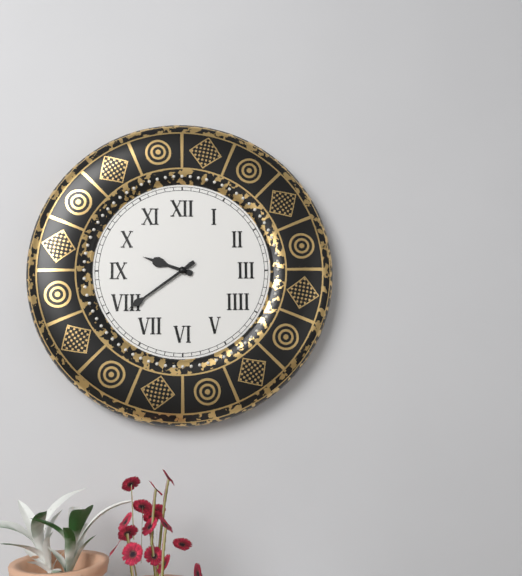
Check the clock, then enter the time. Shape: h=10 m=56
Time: h=9 m=39
